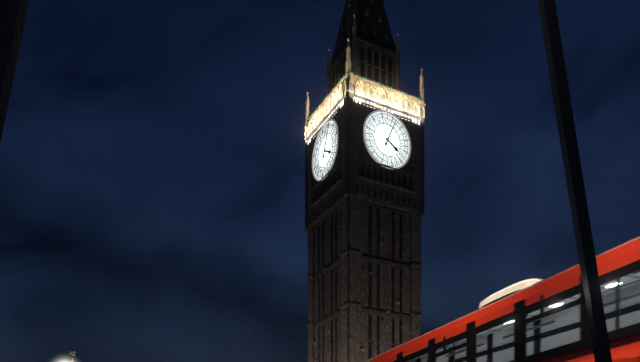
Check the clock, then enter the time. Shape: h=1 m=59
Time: h=4 m=4
